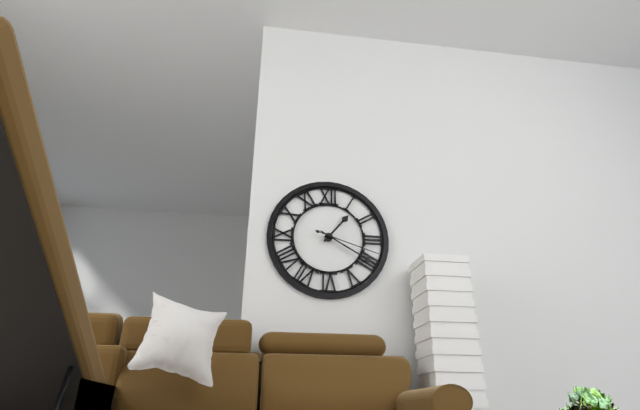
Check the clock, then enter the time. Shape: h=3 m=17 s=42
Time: h=1 m=20 s=18
